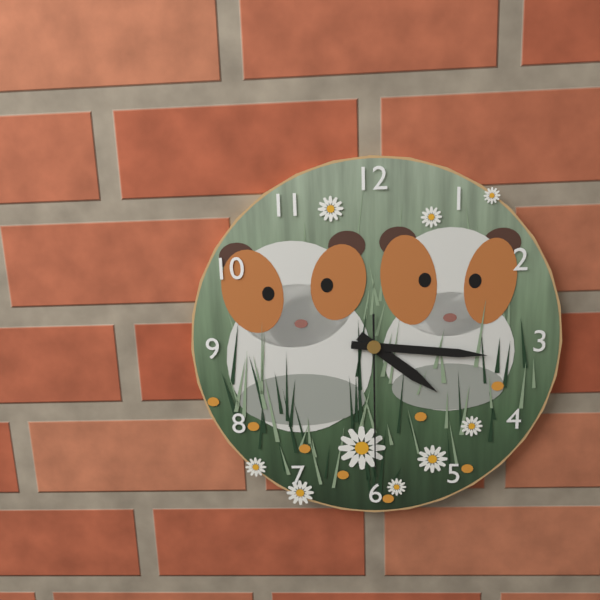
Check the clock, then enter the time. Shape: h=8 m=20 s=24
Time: h=4 m=16 s=30
